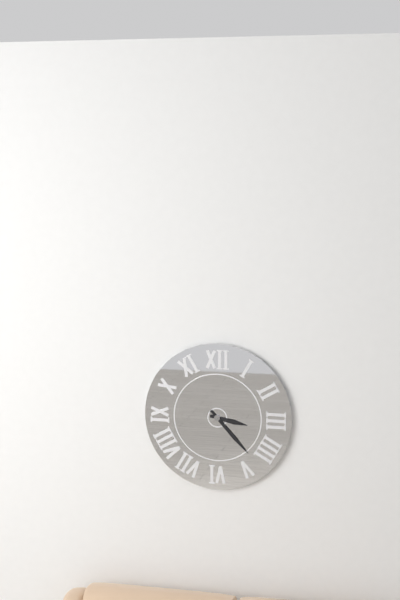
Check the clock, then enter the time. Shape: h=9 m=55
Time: h=3 m=23
